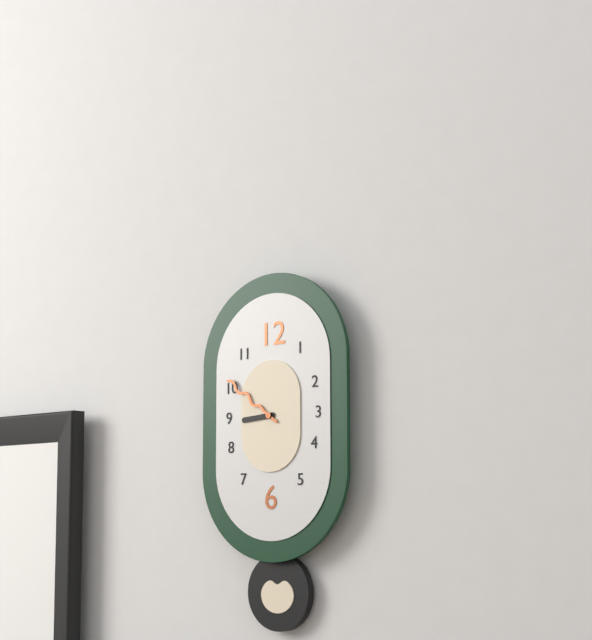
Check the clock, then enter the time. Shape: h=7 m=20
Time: h=8 m=51
